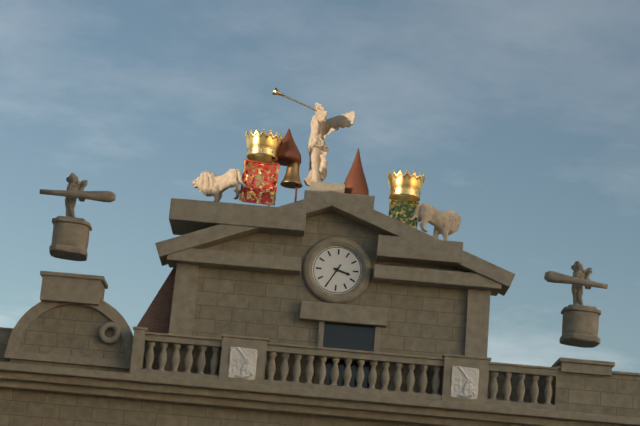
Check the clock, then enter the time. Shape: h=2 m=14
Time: h=3 m=35
